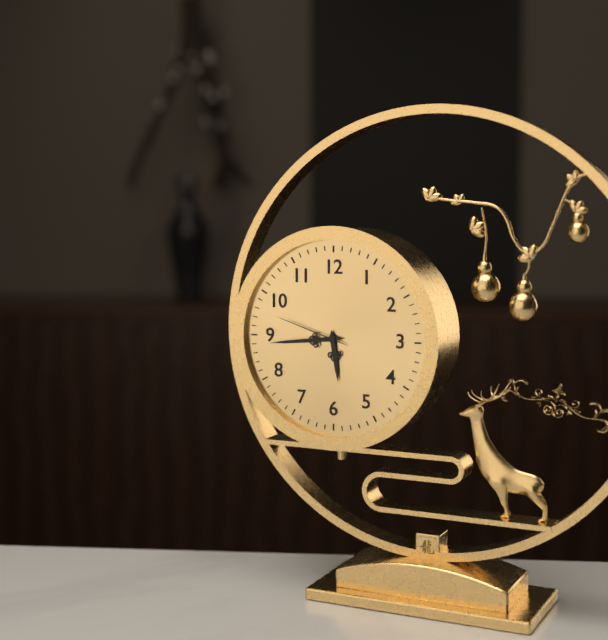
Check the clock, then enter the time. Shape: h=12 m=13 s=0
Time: h=5 m=44 s=48
